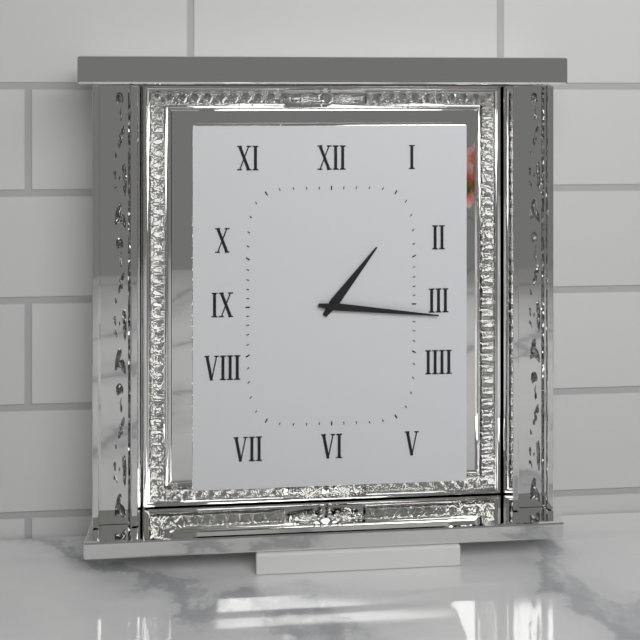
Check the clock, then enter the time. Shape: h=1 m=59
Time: h=1 m=16
